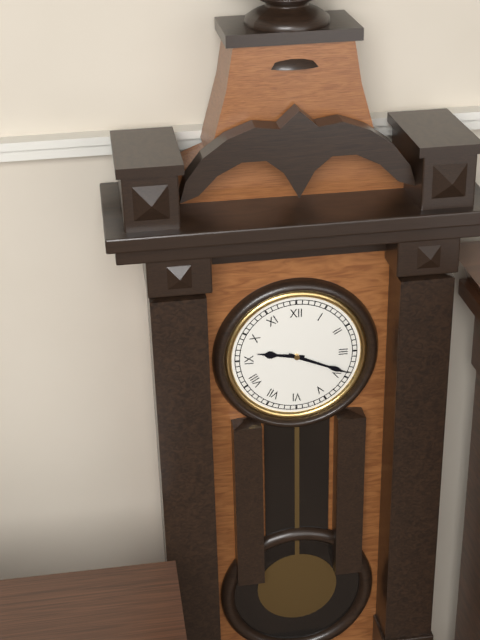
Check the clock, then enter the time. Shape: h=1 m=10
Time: h=9 m=19
